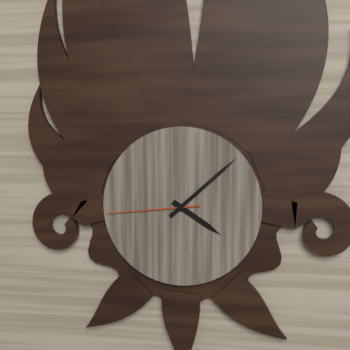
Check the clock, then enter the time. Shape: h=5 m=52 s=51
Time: h=4 m=8 s=44
